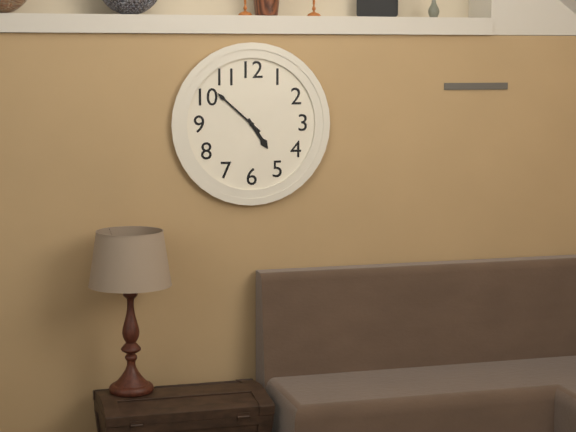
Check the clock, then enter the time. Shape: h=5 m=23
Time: h=4 m=52
